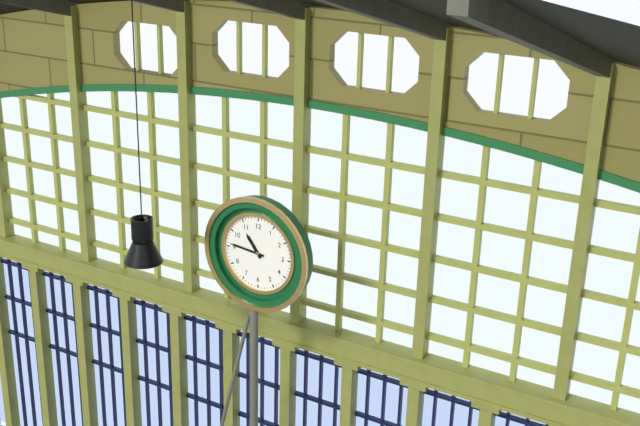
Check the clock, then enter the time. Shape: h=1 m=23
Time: h=10 m=46
